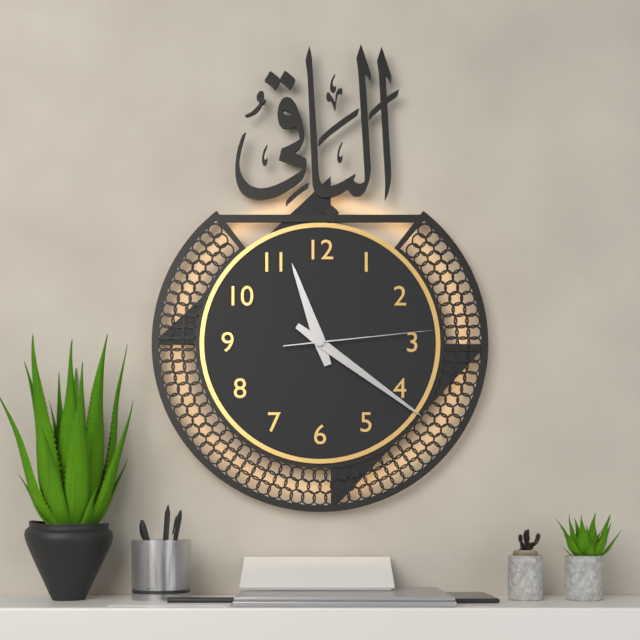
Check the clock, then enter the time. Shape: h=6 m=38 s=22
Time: h=11 m=21 s=14
